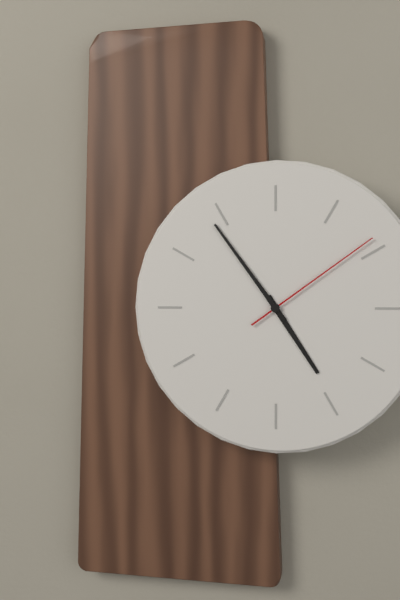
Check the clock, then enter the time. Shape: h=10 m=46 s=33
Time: h=4 m=54 s=9
